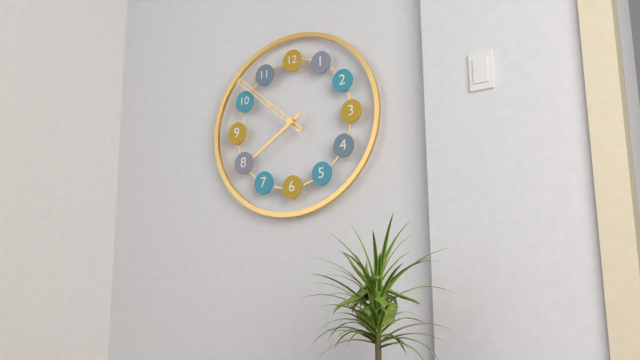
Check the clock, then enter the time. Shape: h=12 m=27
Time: h=7 m=52
